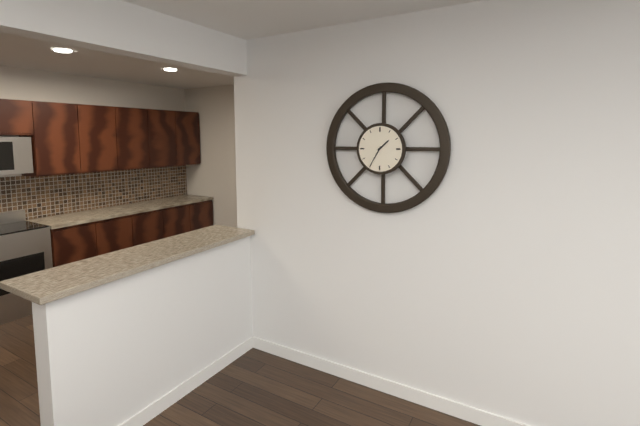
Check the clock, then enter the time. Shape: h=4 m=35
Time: h=1 m=35
